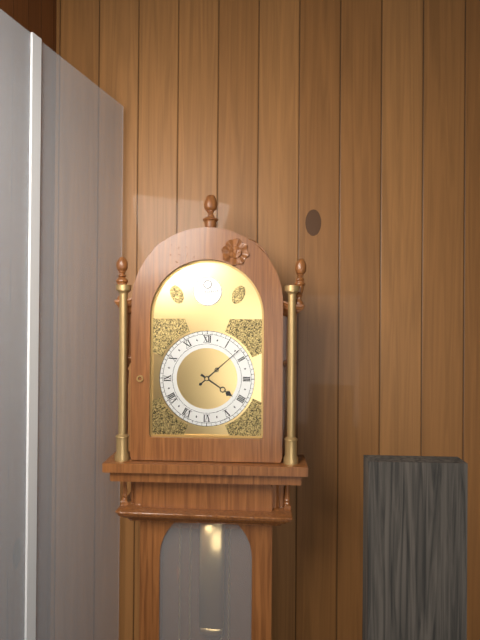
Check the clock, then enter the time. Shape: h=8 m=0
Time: h=4 m=8
